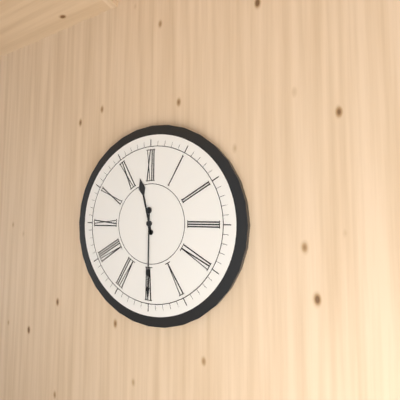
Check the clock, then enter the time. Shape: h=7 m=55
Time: h=11 m=30
